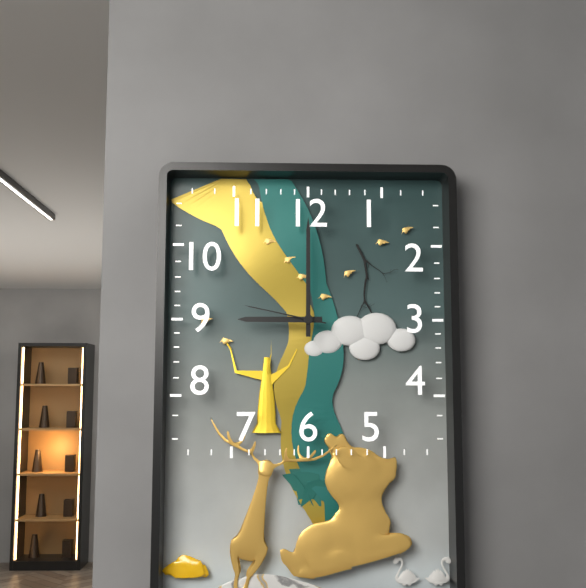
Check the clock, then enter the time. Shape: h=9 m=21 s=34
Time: h=9 m=0 s=47
